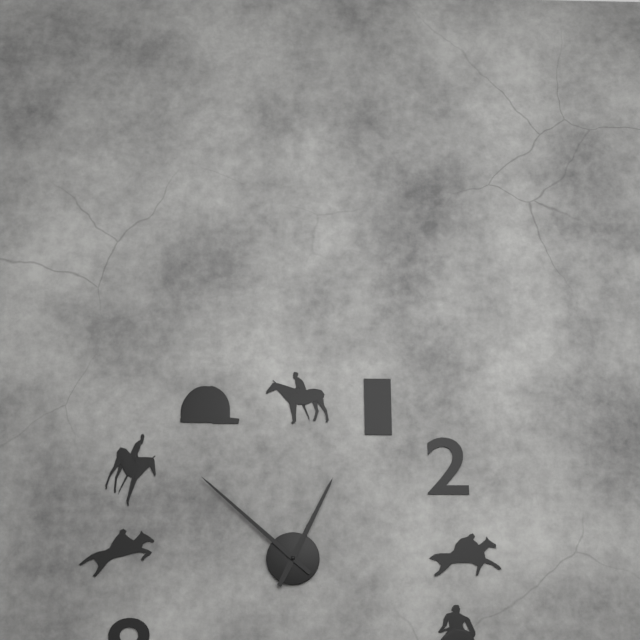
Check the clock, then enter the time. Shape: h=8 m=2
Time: h=12 m=52
